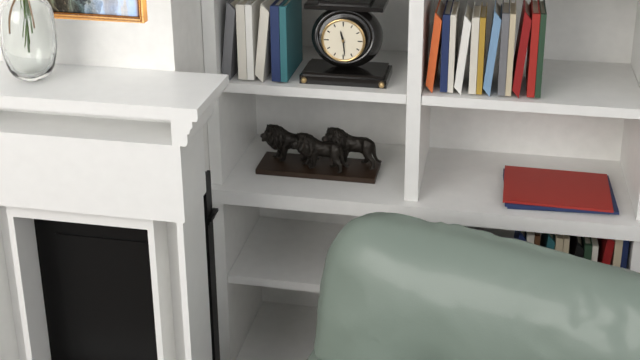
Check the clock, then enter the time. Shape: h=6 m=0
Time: h=11 m=29
